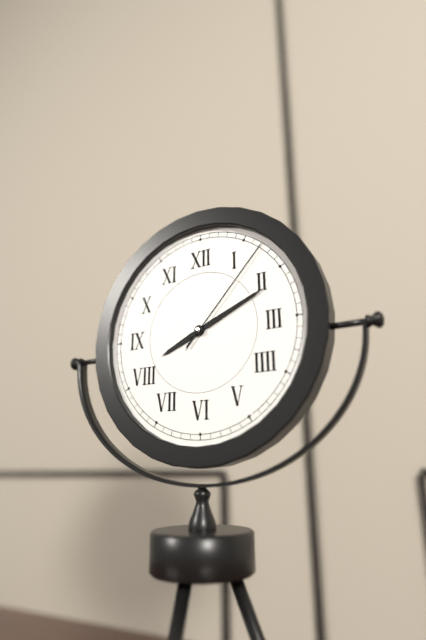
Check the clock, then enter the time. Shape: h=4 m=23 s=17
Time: h=8 m=11 s=7
